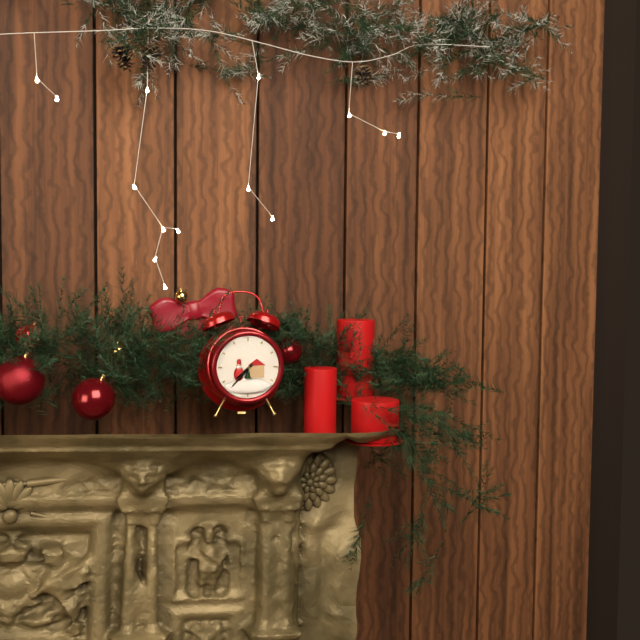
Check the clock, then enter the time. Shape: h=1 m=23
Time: h=7 m=37
